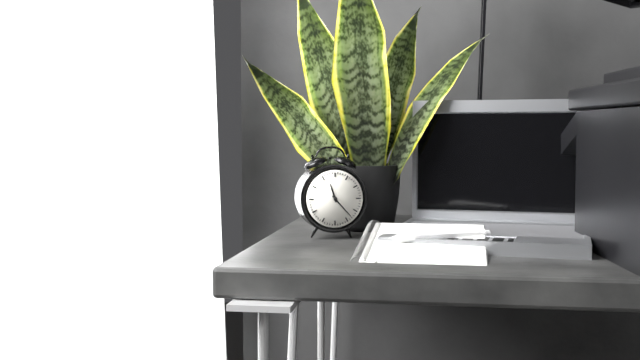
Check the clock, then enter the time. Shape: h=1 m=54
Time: h=11 m=23
